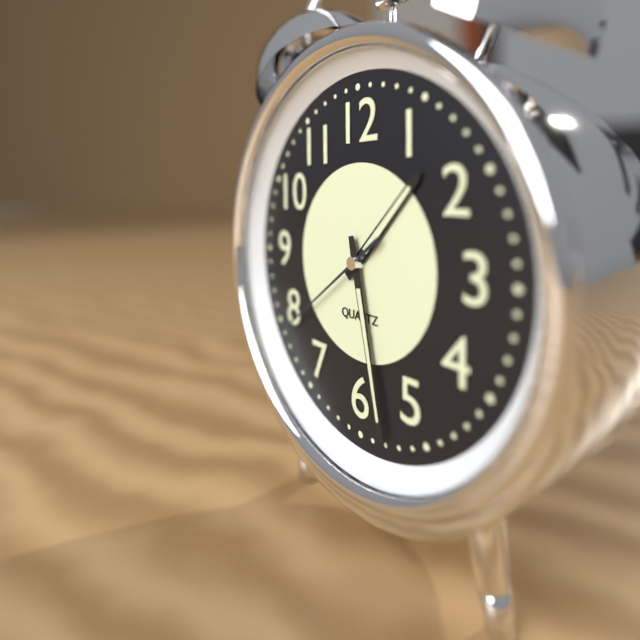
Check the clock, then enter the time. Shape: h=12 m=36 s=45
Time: h=1 m=28 s=39
